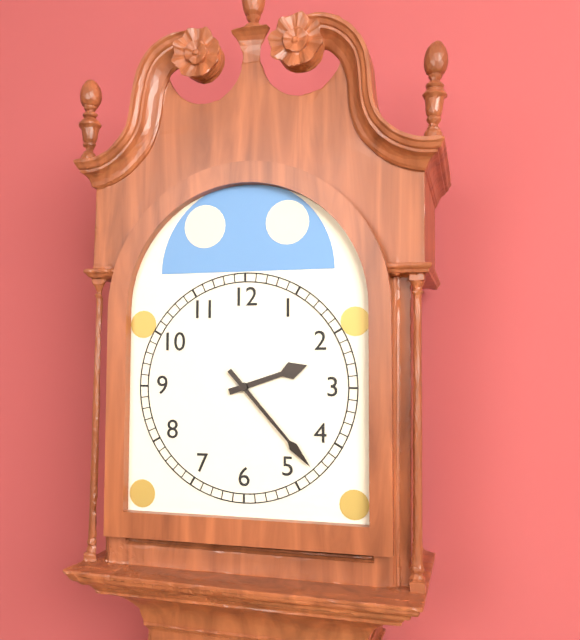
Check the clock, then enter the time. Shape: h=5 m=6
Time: h=2 m=23
